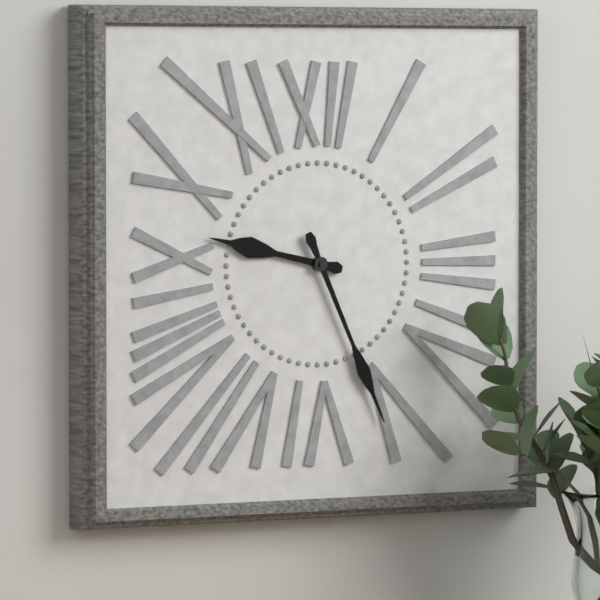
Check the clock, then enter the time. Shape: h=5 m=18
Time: h=9 m=26
